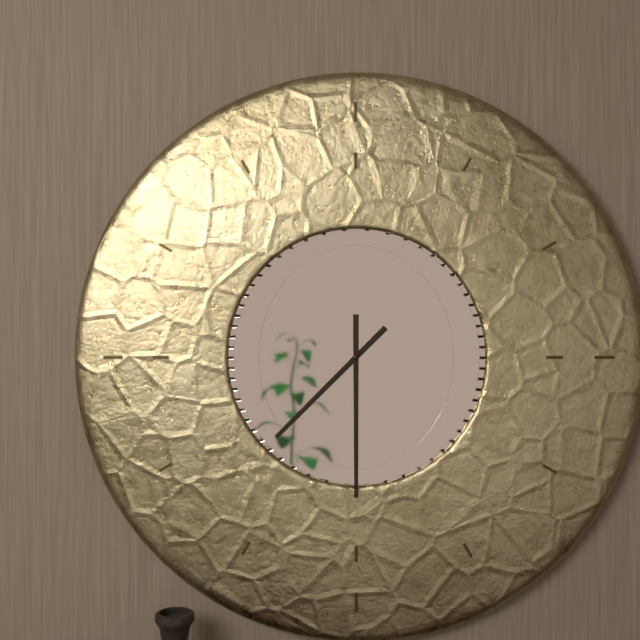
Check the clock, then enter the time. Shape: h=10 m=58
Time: h=7 m=30
